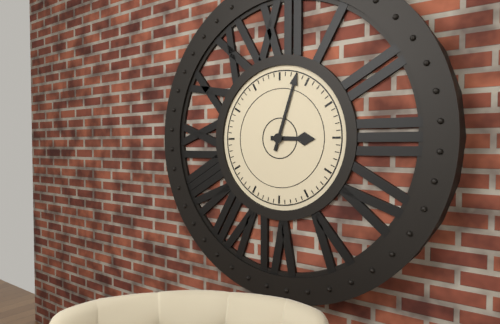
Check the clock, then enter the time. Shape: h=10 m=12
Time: h=3 m=3
